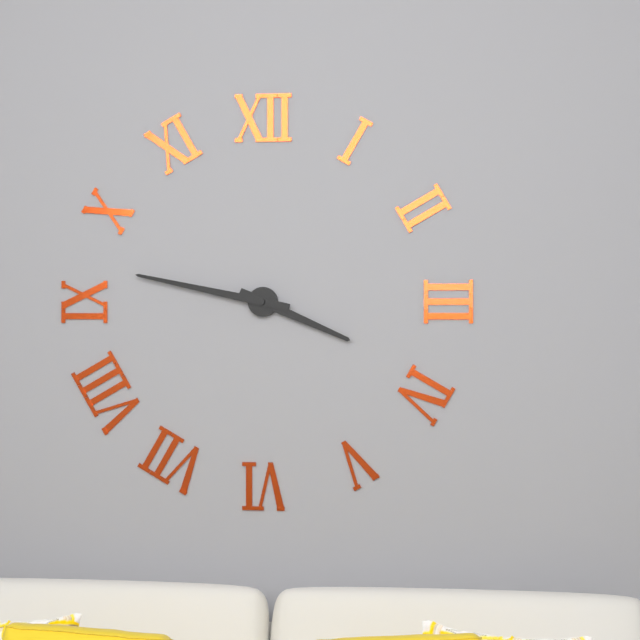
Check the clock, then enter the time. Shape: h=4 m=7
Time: h=3 m=47
